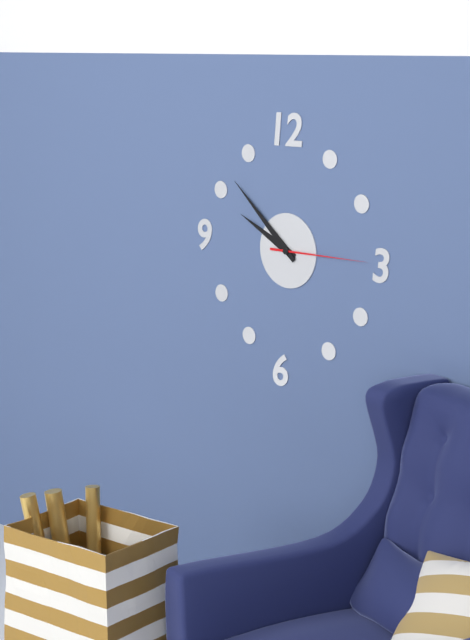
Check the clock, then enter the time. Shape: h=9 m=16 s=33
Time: h=9 m=52 s=15
